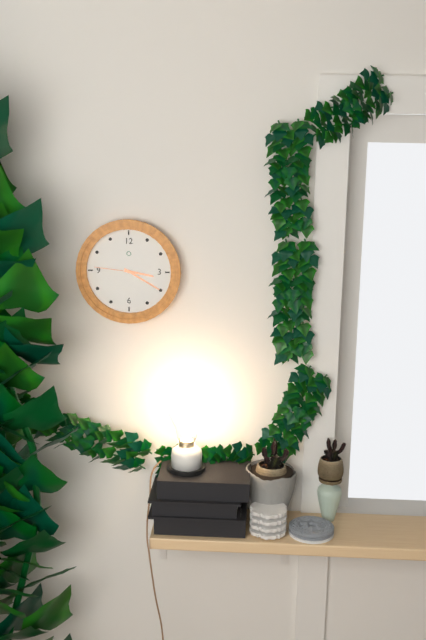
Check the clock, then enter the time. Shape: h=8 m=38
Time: h=3 m=20
